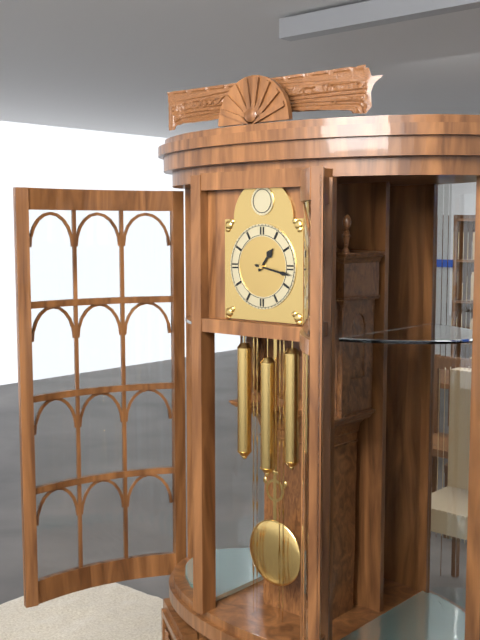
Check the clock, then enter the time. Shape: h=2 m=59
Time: h=1 m=17
